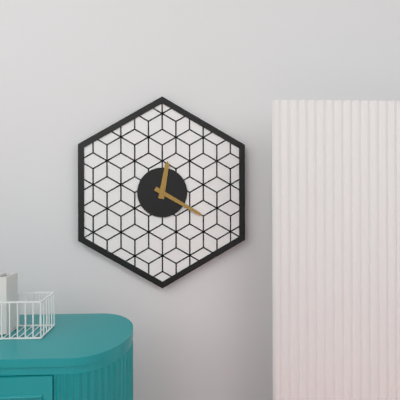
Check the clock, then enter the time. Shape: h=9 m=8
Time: h=12 m=20
